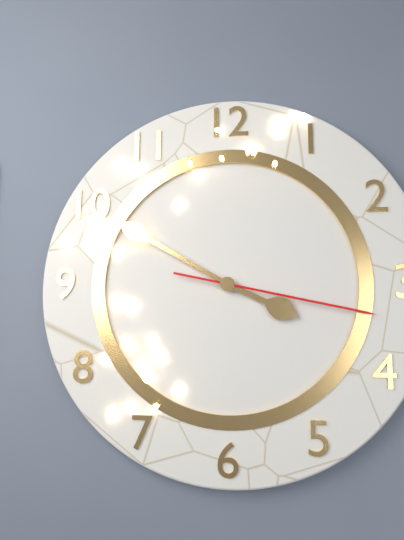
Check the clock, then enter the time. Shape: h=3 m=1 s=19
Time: h=3 m=50 s=17
